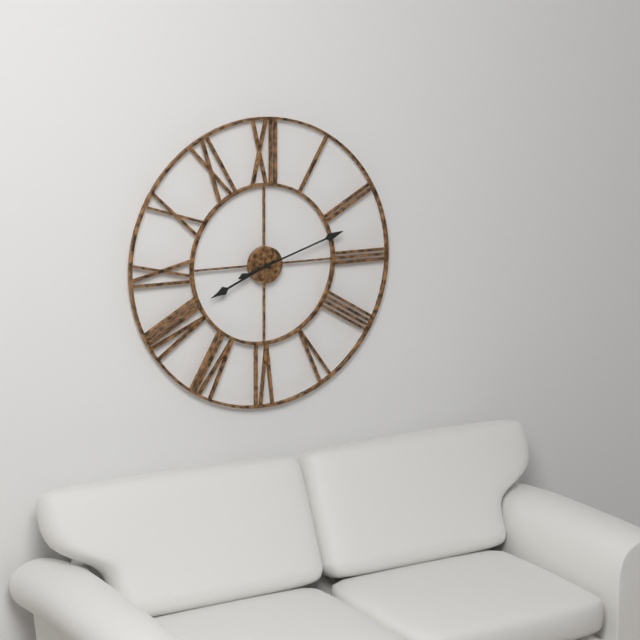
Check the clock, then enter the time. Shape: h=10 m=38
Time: h=8 m=12
